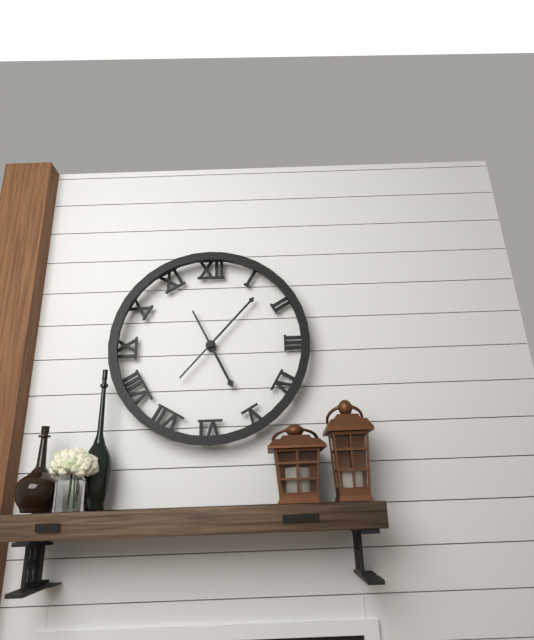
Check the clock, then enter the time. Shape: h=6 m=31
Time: h=5 m=7
